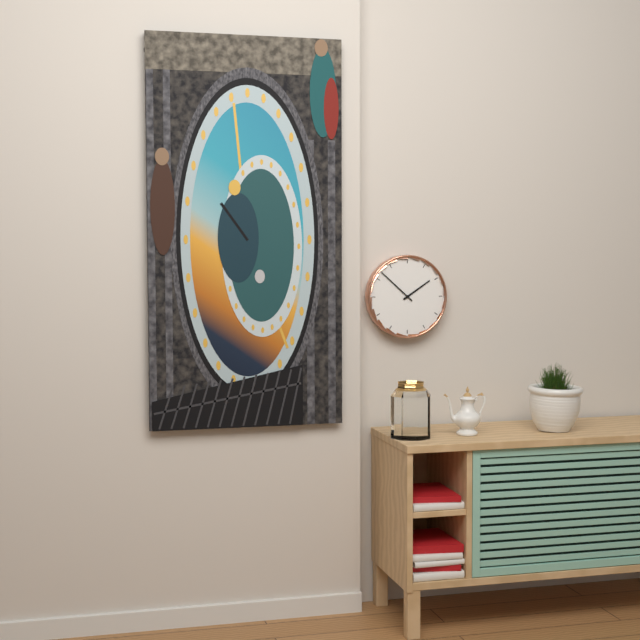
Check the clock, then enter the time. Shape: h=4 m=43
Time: h=1 m=52
